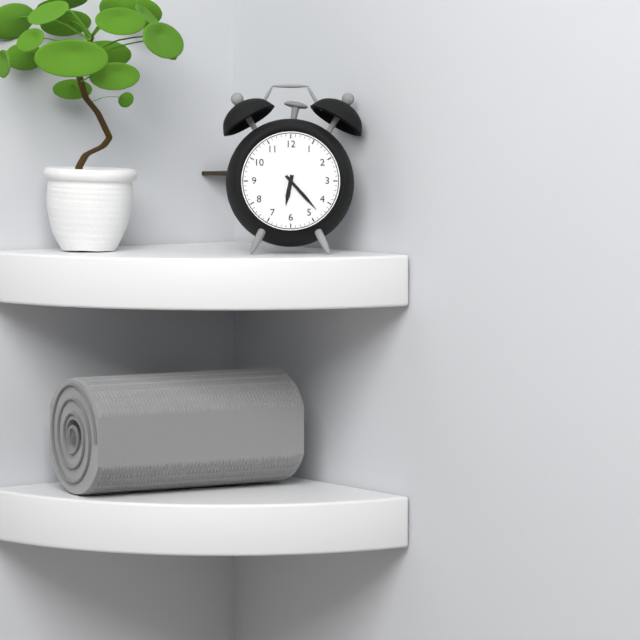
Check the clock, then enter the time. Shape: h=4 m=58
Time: h=6 m=23
